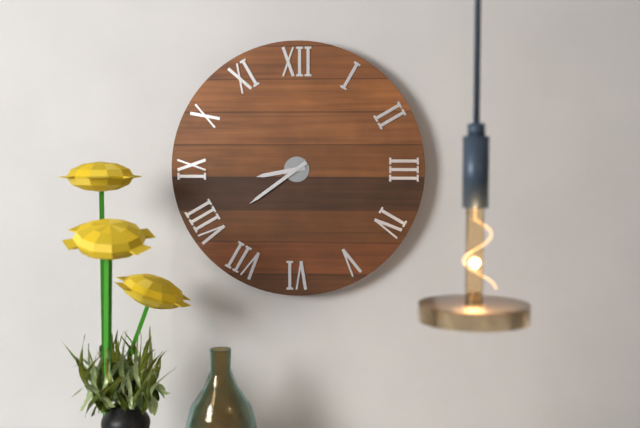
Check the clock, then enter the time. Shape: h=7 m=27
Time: h=8 m=39
